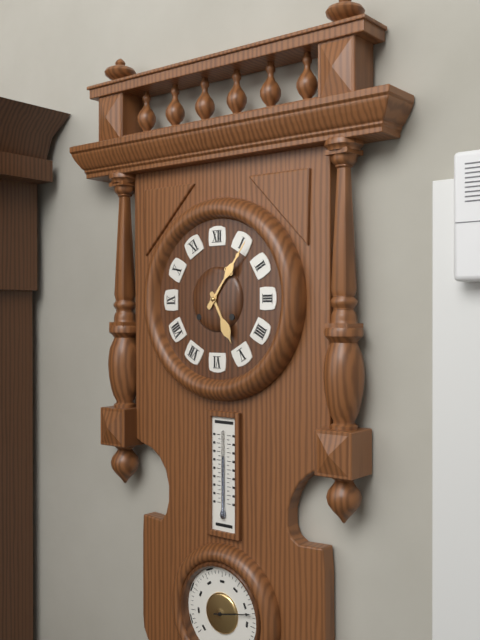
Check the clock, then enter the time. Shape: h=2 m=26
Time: h=5 m=6
